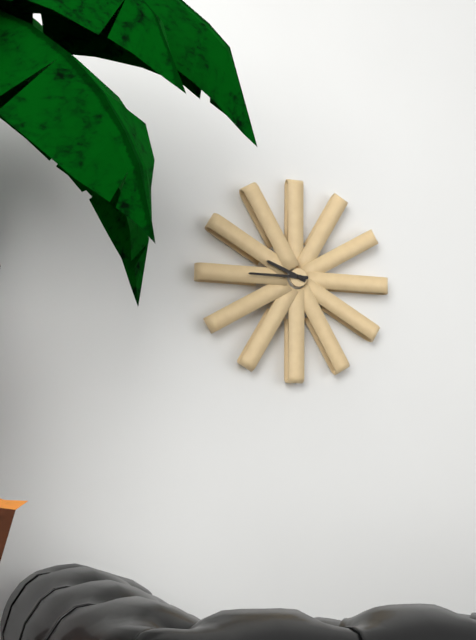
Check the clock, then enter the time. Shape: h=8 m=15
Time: h=9 m=45
